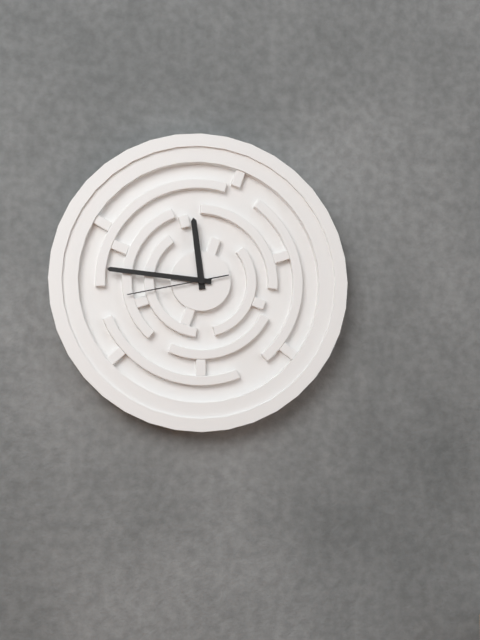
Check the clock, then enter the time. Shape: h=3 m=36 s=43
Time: h=11 m=46 s=43
